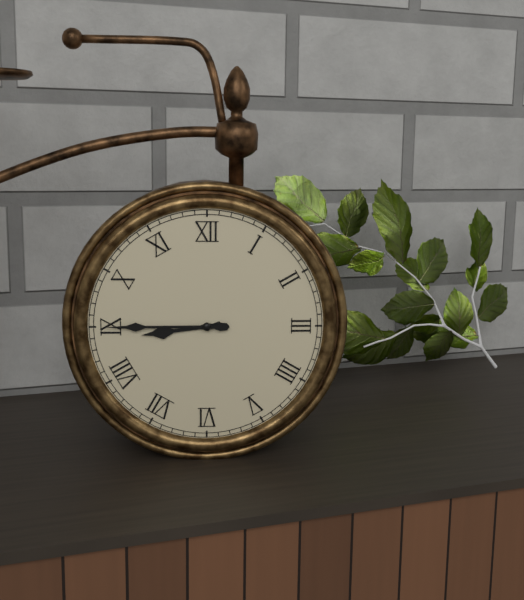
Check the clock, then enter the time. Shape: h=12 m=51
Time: h=8 m=45
